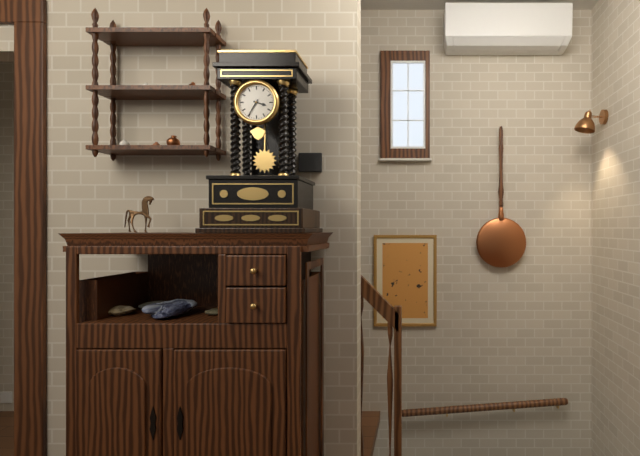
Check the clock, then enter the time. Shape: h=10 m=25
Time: h=3 m=35
